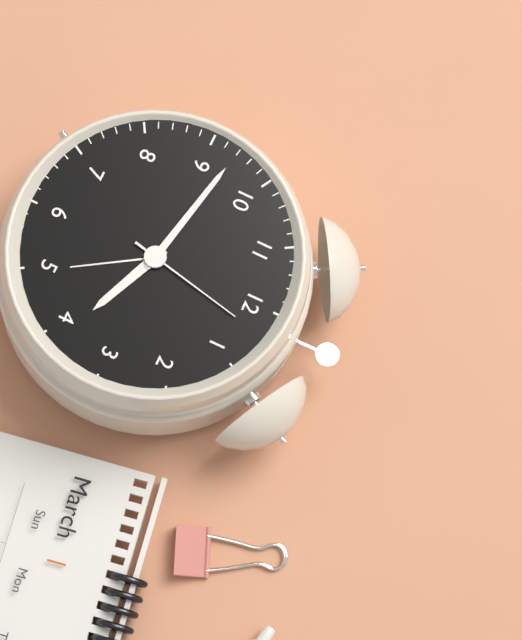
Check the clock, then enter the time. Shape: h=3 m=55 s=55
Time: h=3 m=47 s=2
